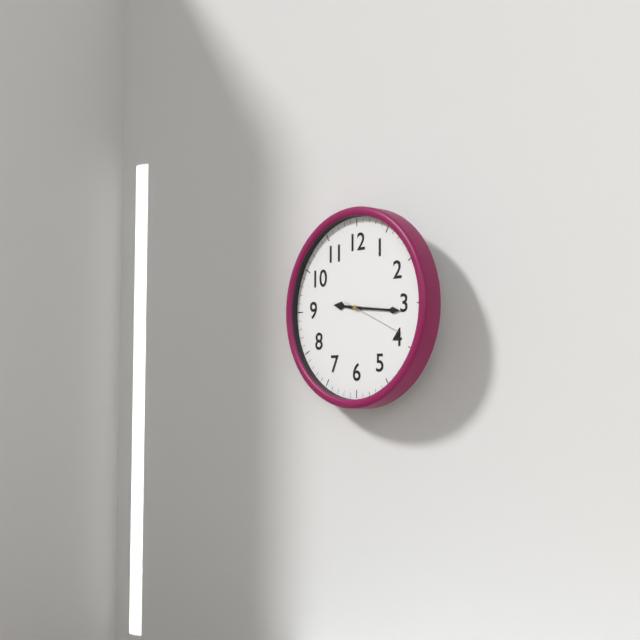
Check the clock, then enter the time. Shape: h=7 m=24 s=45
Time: h=9 m=16 s=19
